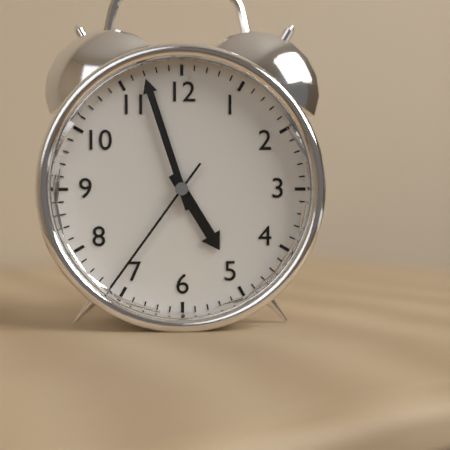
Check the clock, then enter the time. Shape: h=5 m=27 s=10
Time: h=4 m=57 s=36
